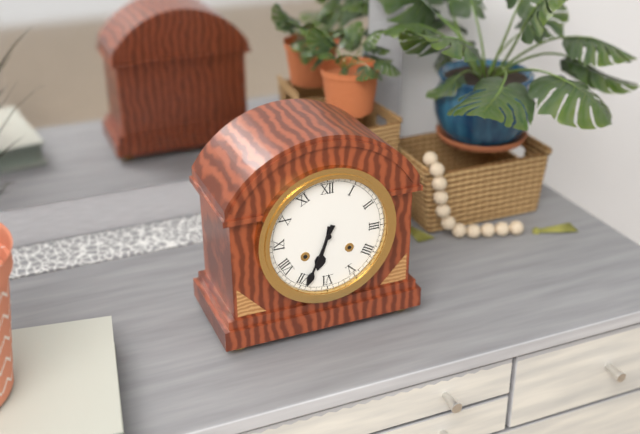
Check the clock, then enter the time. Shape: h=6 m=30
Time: h=6 m=34
